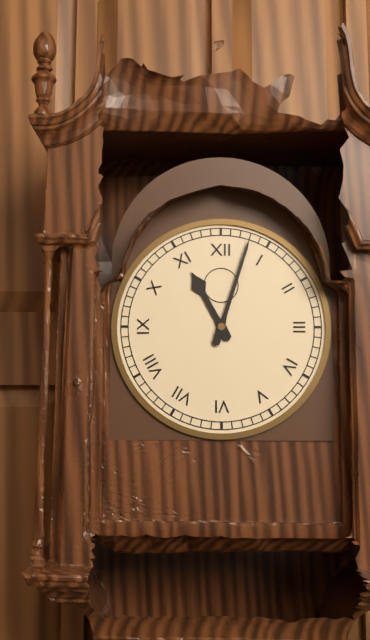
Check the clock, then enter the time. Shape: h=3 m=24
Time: h=11 m=3
